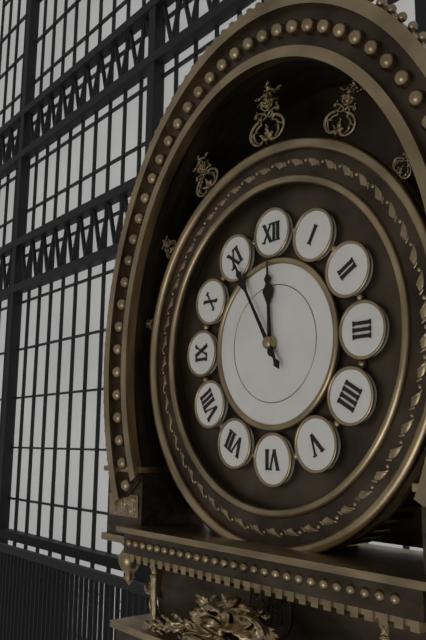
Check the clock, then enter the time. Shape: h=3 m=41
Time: h=11 m=55
